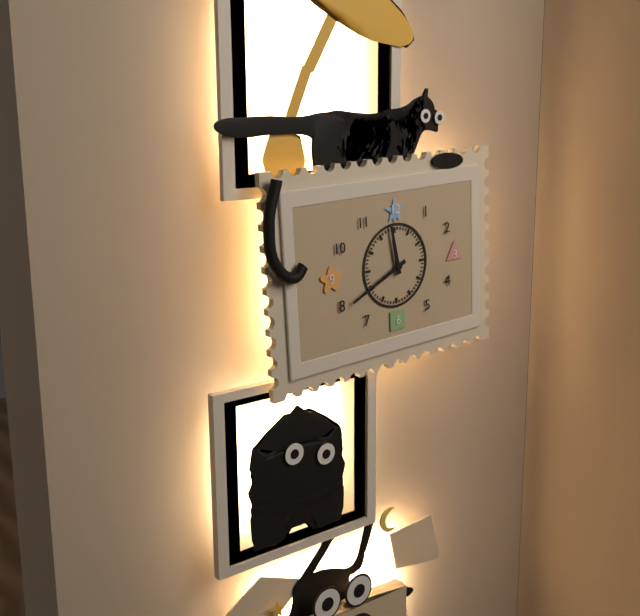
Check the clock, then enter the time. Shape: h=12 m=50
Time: h=11 m=41
